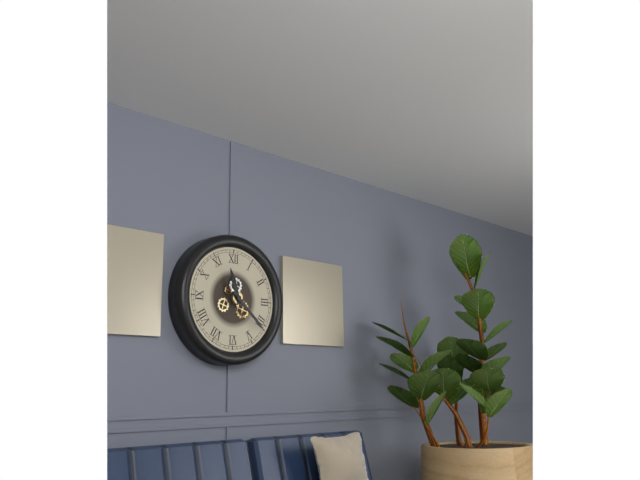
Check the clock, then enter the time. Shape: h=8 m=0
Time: h=11 m=22
